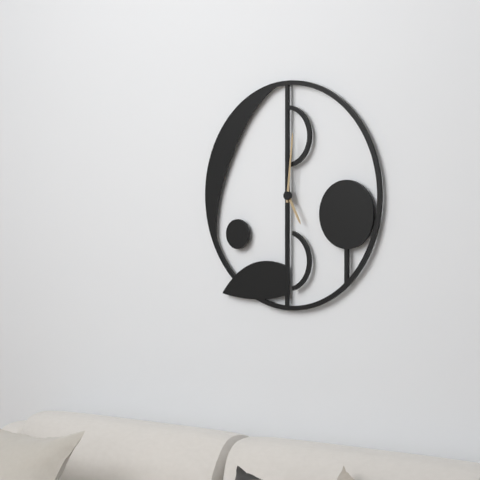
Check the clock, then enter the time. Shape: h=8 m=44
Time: h=5 m=1
